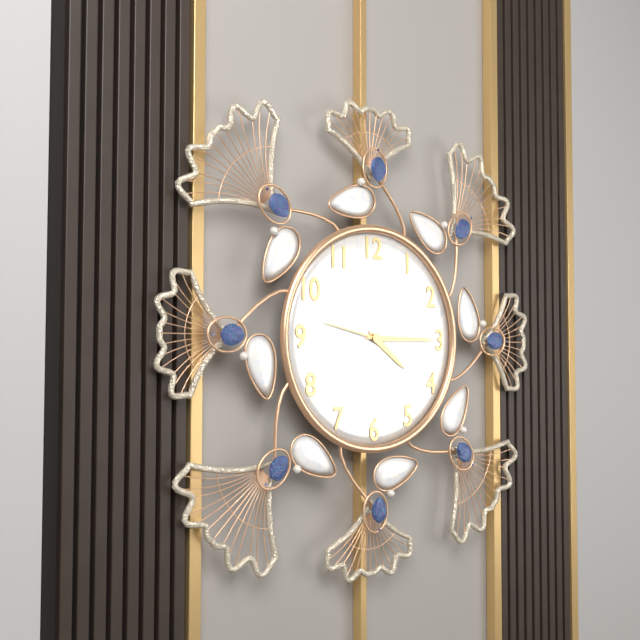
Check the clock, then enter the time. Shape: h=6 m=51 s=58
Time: h=4 m=15 s=47
